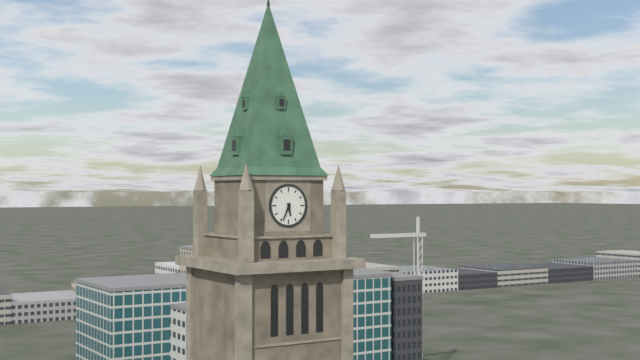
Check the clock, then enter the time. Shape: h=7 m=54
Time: h=5 m=34
